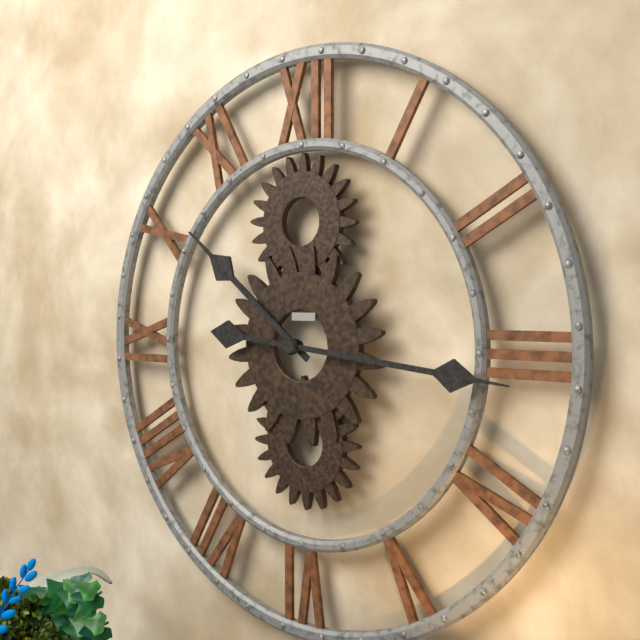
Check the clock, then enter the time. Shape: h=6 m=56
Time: h=10 m=16
